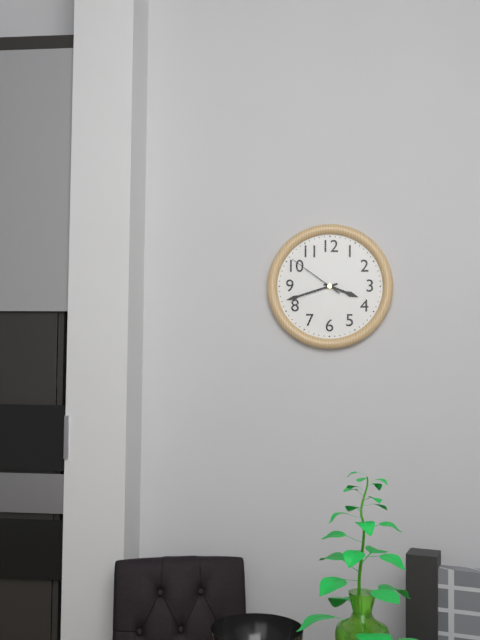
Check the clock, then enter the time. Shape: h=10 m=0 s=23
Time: h=3 m=42 s=51
